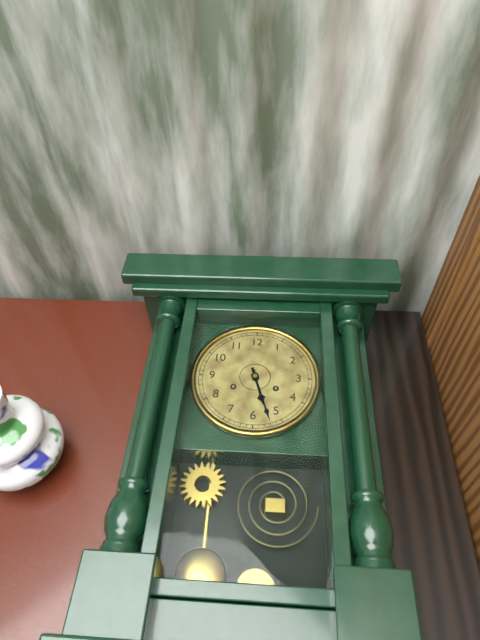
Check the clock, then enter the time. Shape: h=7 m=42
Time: h=5 m=27
